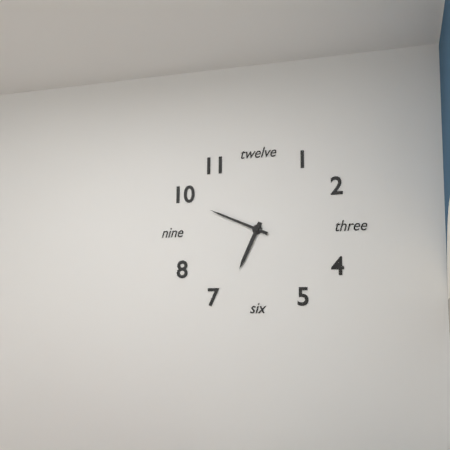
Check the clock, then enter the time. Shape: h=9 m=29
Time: h=6 m=49
